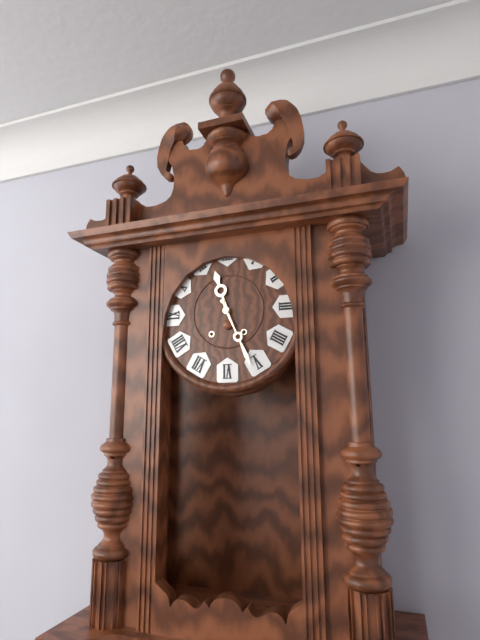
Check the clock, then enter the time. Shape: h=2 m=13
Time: h=11 m=26
